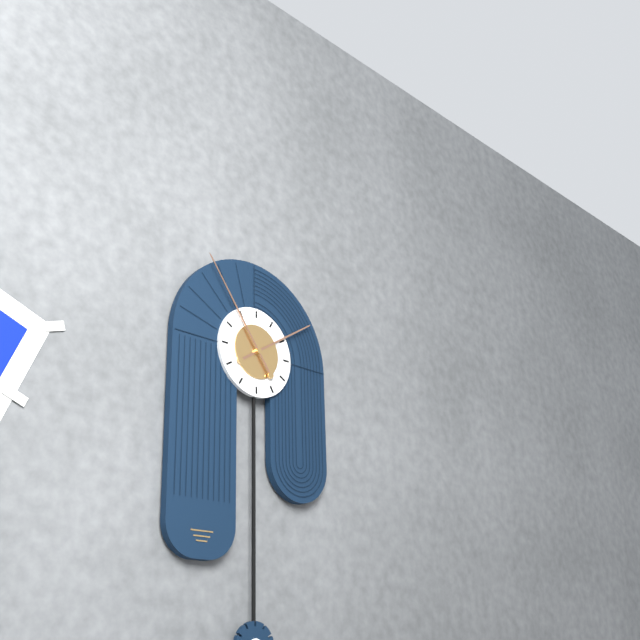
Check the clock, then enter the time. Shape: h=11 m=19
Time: h=1 m=54
